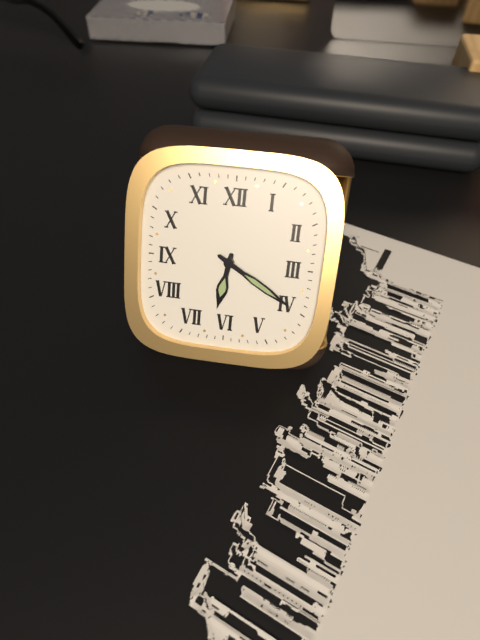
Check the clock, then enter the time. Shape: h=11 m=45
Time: h=6 m=20
